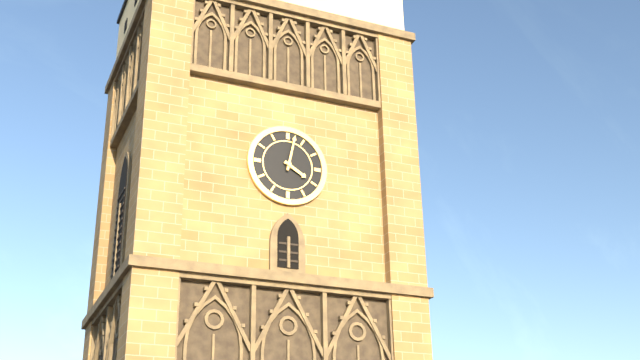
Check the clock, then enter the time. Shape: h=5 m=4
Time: h=4 m=2
